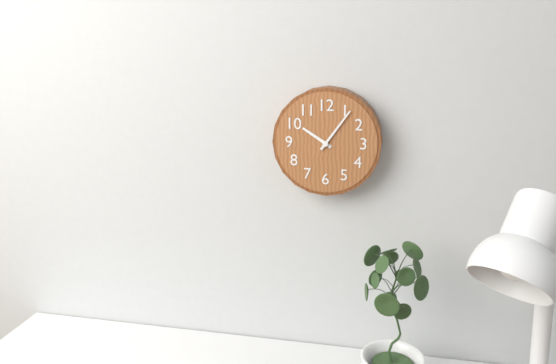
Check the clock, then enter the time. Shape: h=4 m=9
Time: h=10 m=6
